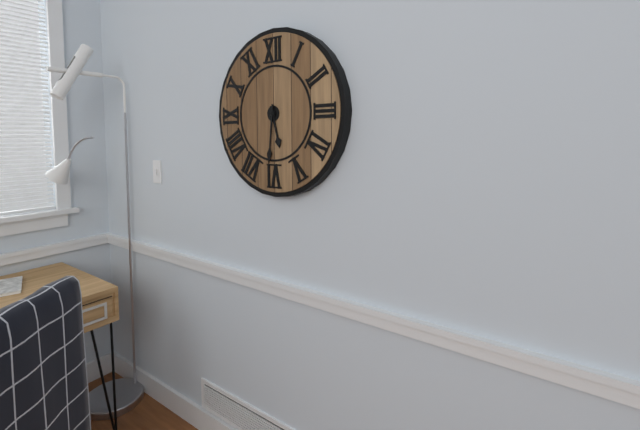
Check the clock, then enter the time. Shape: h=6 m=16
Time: h=5 m=31
